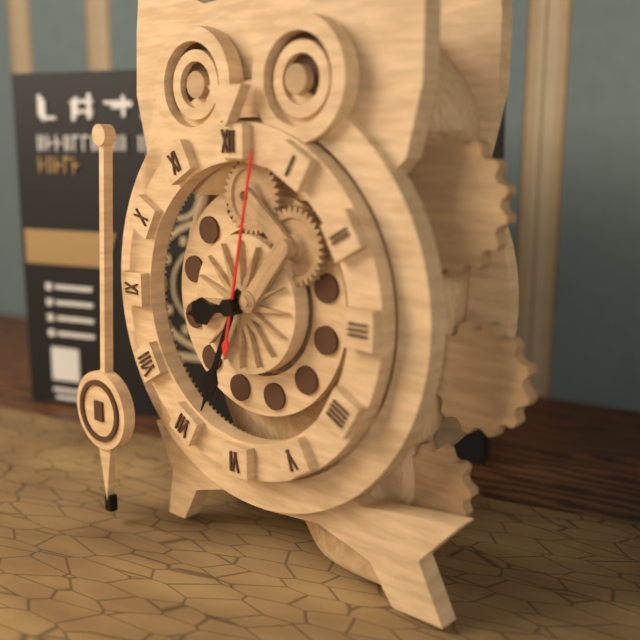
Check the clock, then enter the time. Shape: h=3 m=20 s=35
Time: h=8 m=34 s=2
